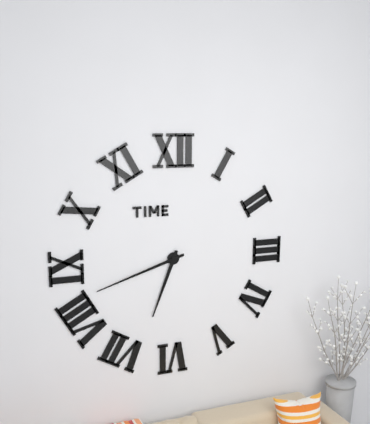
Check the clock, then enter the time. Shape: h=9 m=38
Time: h=6 m=42
